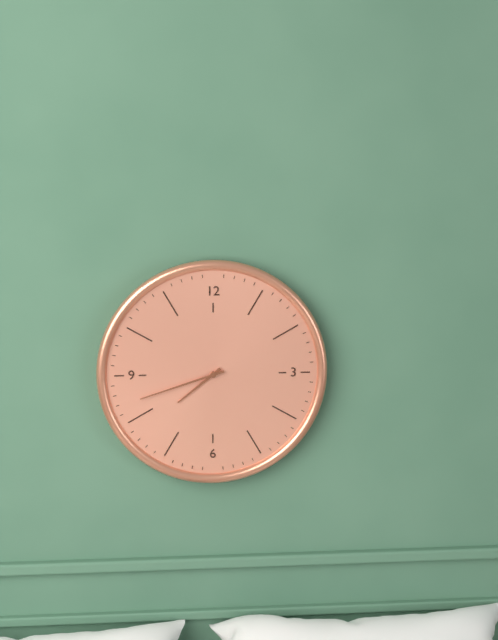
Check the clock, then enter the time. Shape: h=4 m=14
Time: h=7 m=42
